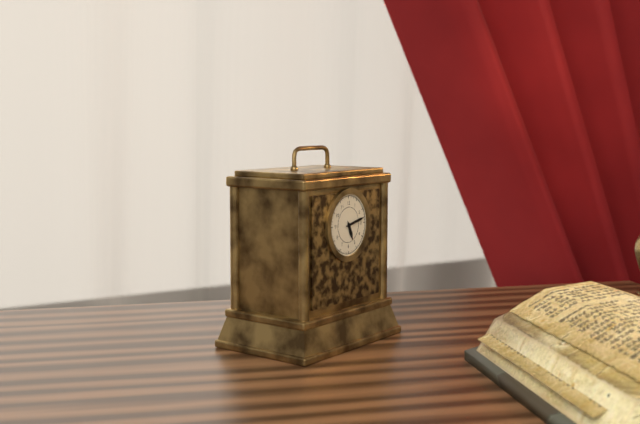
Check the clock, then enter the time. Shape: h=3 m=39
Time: h=5 m=13
